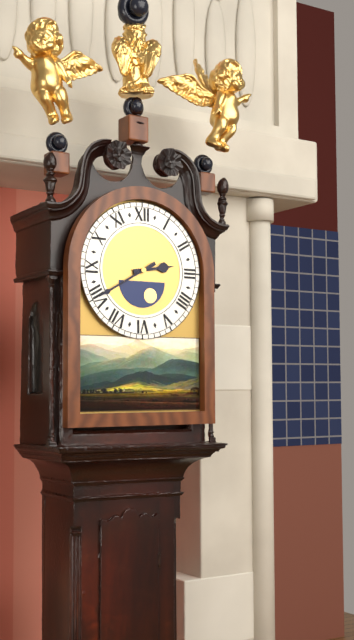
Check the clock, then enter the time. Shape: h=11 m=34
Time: h=2 m=40
